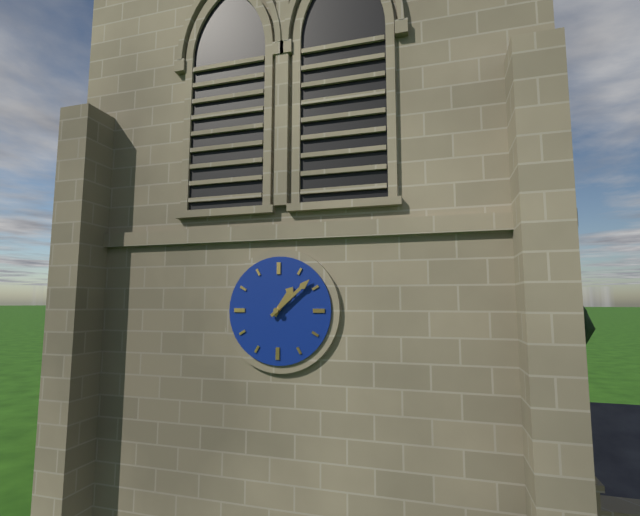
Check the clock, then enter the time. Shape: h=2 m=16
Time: h=1 m=8
